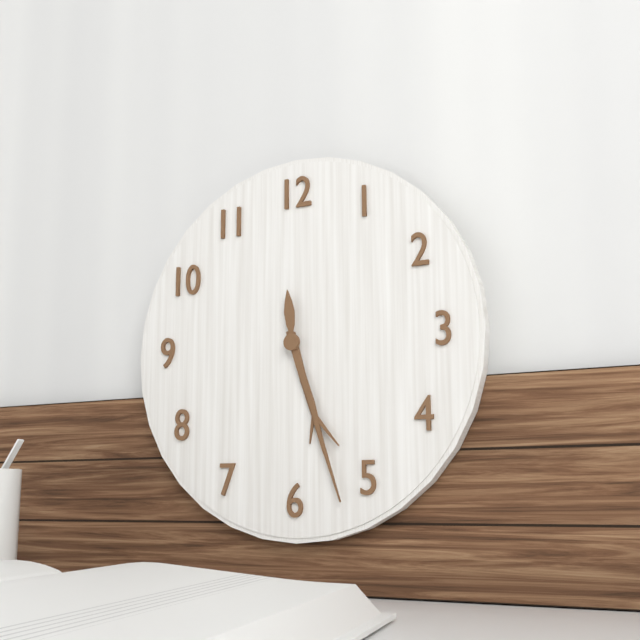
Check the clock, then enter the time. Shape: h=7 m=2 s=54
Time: h=5 m=27 s=59
